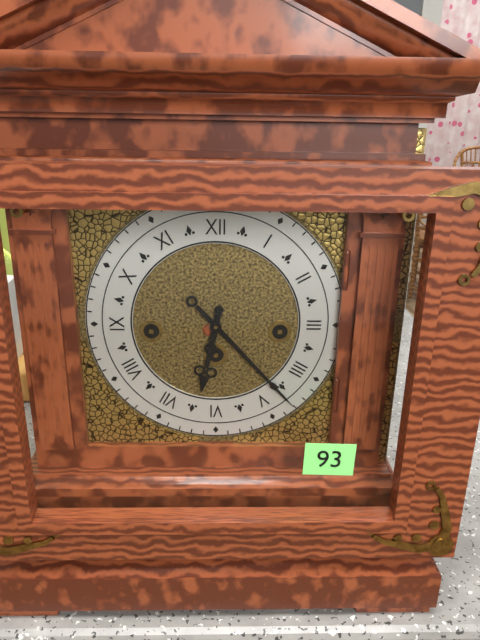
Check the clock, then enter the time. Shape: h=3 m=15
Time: h=6 m=23
